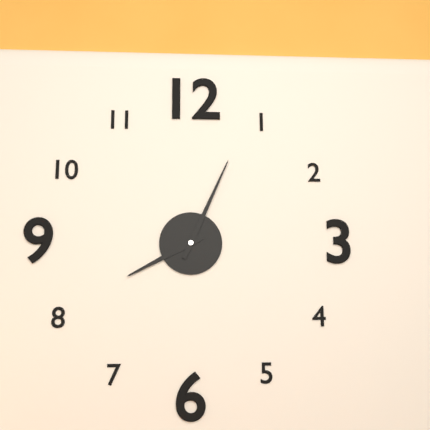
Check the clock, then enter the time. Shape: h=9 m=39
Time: h=8 m=4
